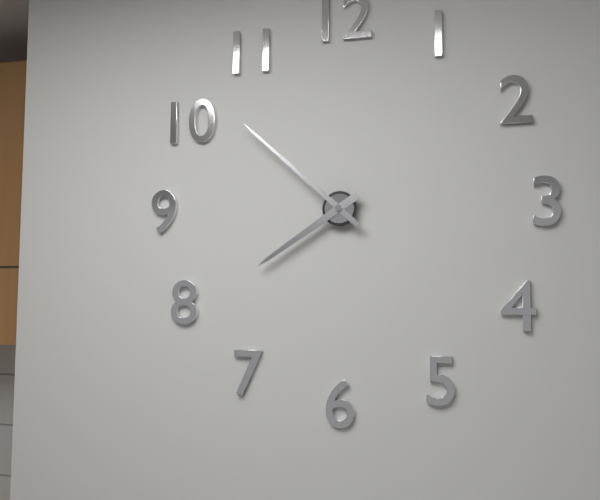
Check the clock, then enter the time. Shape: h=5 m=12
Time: h=7 m=52
